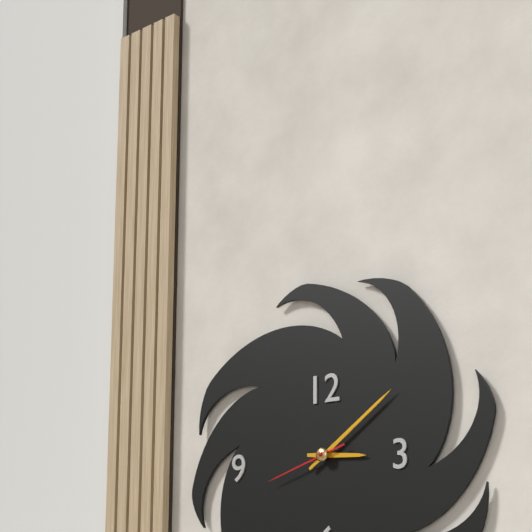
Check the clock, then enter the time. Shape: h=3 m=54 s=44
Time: h=3 m=9 s=42
